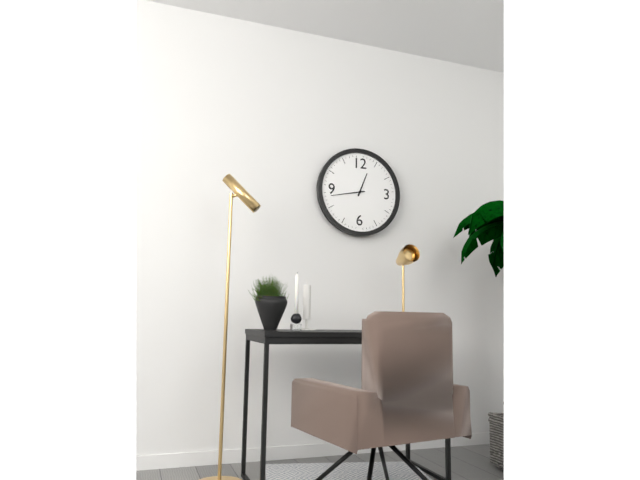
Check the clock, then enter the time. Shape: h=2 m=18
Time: h=12 m=43
